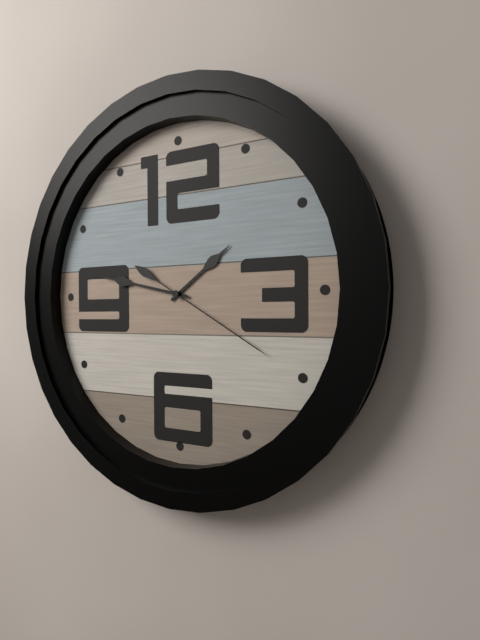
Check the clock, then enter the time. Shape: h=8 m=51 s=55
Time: h=1 m=47 s=20
